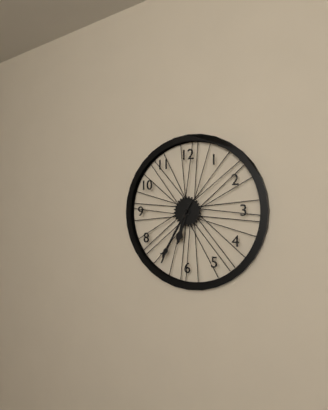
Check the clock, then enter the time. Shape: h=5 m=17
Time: h=6 m=35
